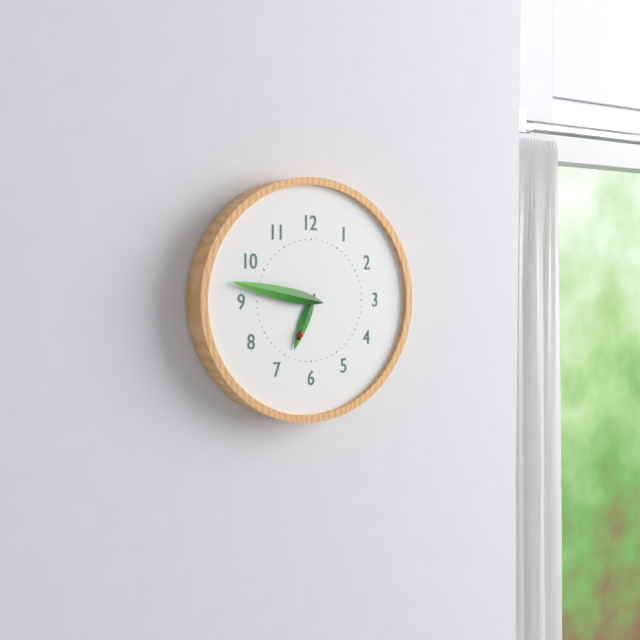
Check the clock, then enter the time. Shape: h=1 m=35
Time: h=6 m=47
